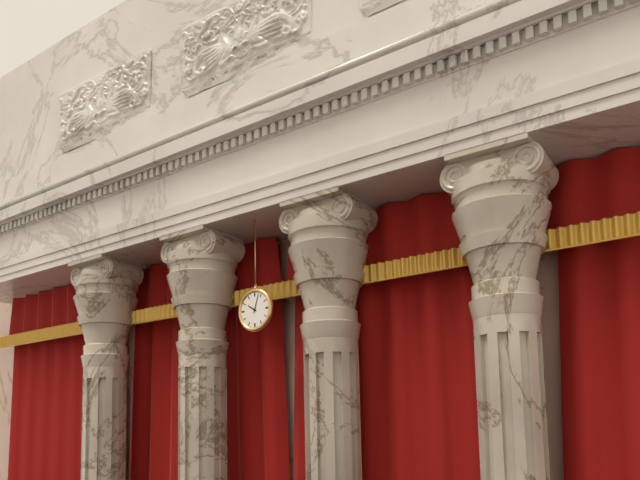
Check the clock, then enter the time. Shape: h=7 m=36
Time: h=10 m=3
